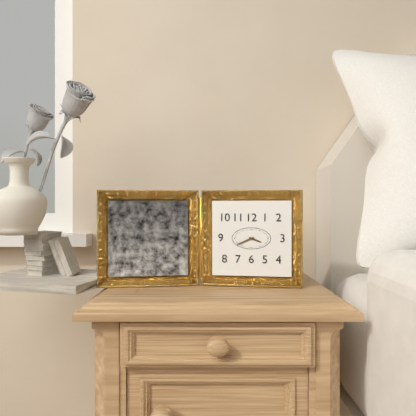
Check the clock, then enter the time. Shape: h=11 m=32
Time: h=3 m=41
